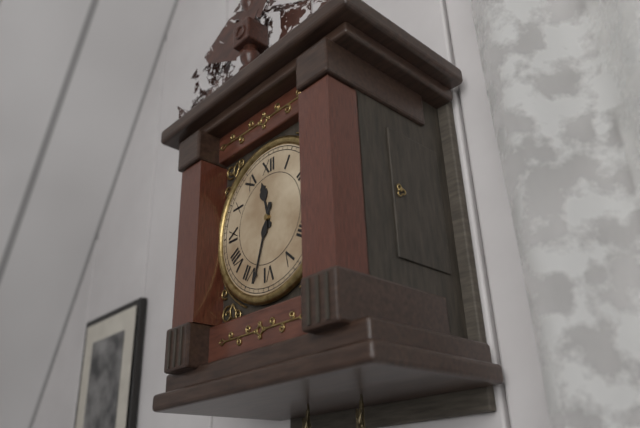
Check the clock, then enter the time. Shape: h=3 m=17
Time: h=11 m=33
